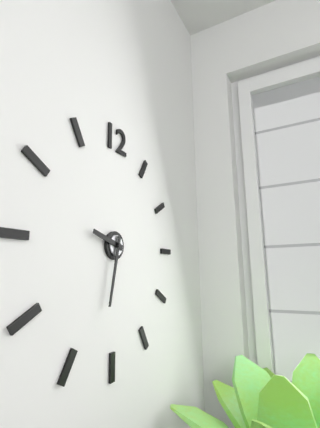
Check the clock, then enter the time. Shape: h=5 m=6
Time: h=9 m=32
